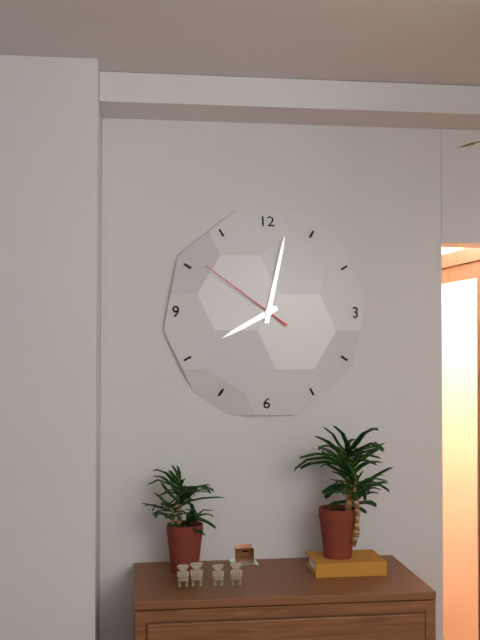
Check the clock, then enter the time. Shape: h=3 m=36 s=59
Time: h=8 m=2 s=51
